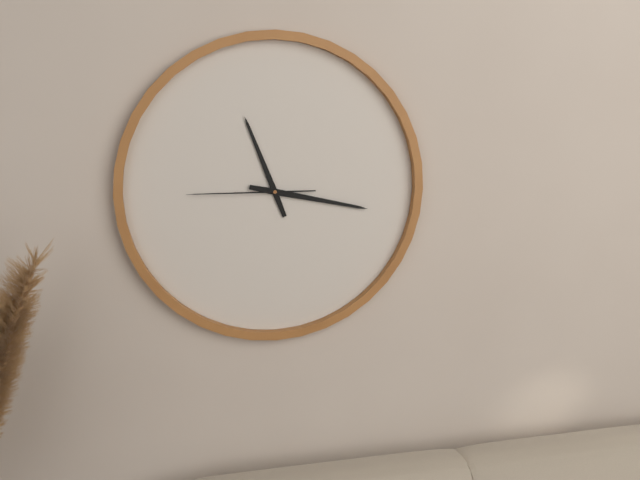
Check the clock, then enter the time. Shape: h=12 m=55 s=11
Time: h=11 m=17 s=45
